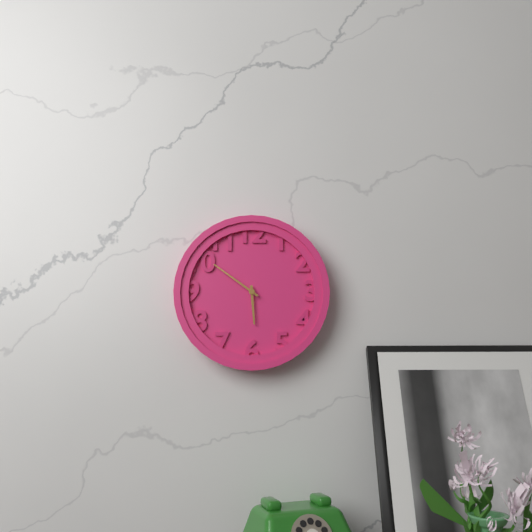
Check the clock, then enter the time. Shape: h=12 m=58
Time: h=5 m=51
